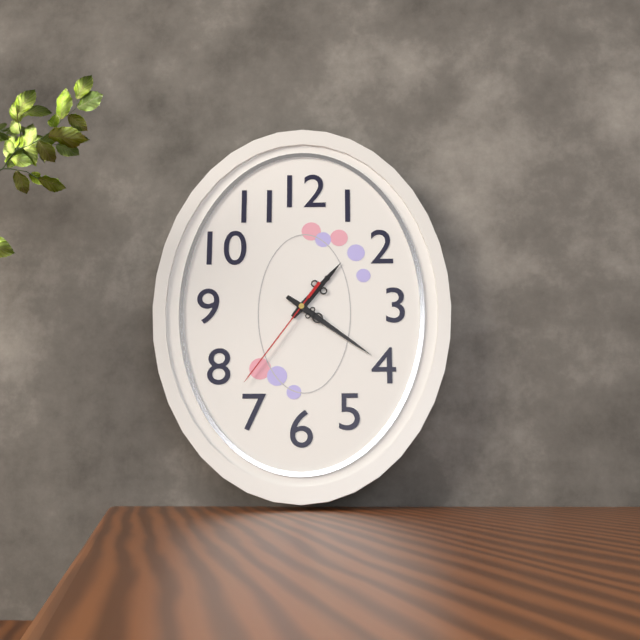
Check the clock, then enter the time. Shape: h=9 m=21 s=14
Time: h=1 m=21 s=36
